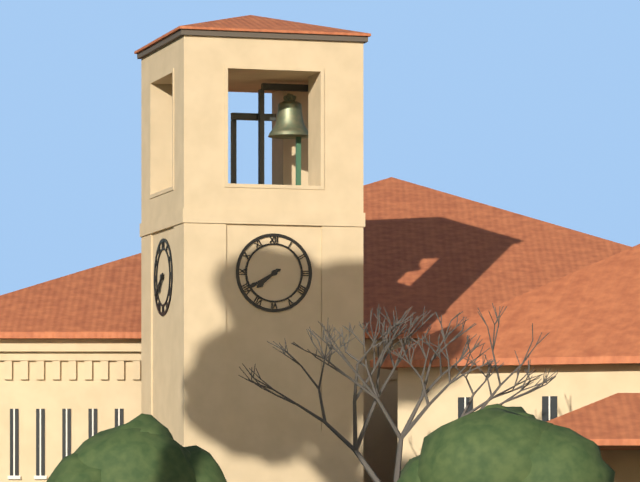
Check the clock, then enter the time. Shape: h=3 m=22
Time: h=7 m=40
